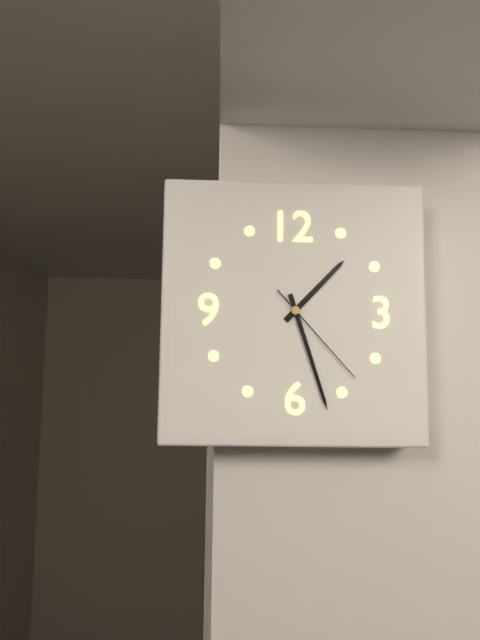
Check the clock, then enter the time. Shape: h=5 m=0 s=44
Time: h=1 m=27 s=23
